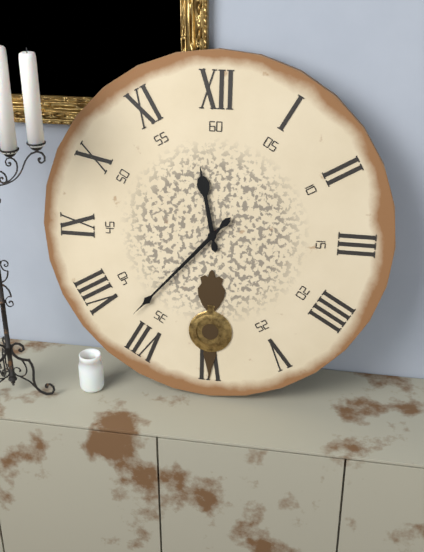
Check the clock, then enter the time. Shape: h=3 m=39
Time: h=11 m=37
